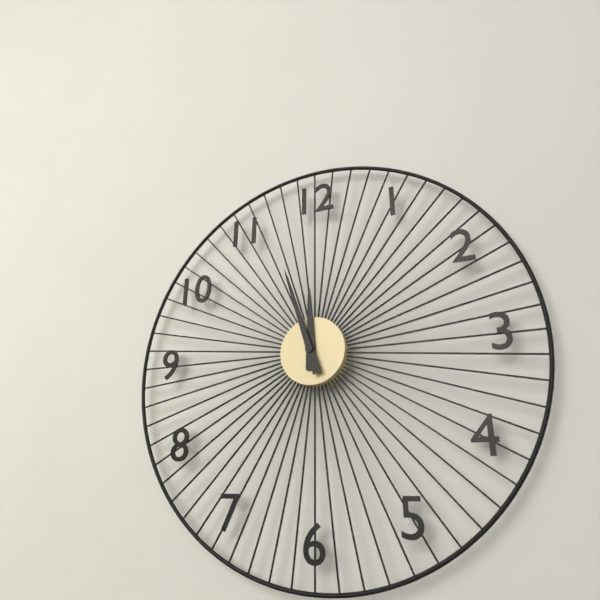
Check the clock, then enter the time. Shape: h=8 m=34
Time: h=11 m=57
